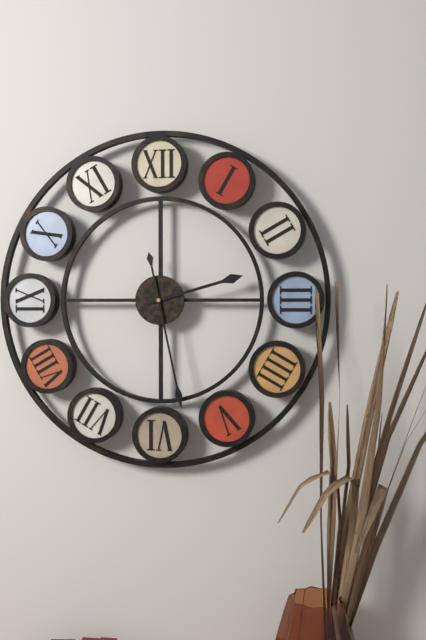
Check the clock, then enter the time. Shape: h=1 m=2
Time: h=2 m=28
